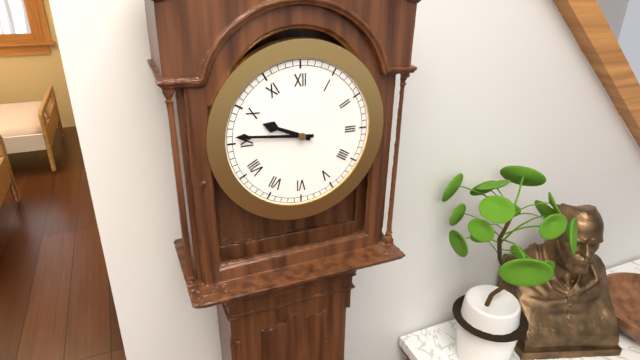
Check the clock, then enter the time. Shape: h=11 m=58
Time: h=9 m=46
